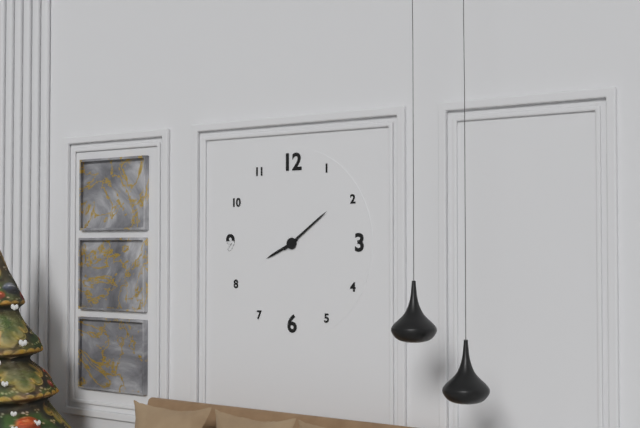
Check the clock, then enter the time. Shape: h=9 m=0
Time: h=8 m=9
